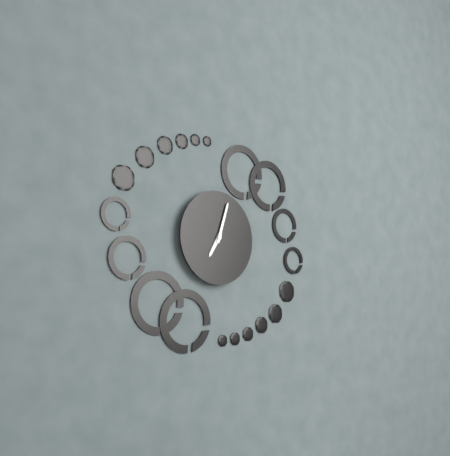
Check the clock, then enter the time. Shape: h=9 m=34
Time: h=7 m=3
